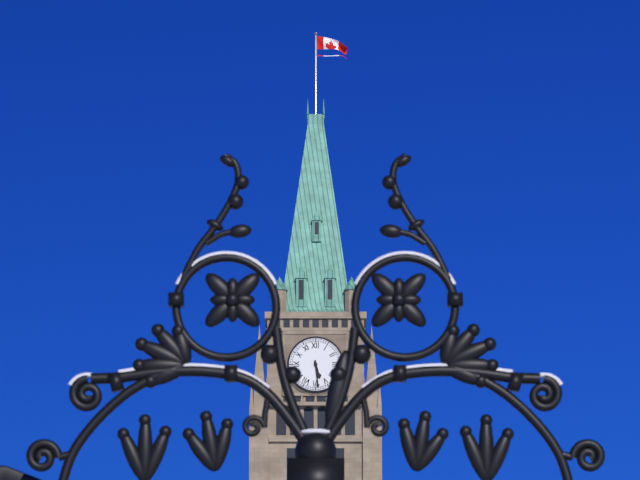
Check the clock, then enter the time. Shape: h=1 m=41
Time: h=5 m=29
